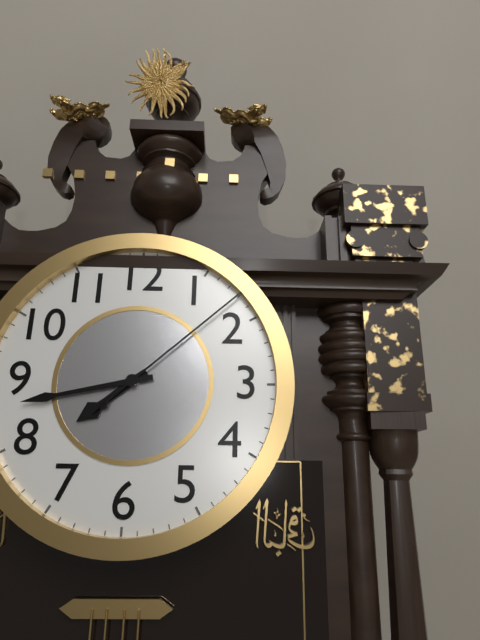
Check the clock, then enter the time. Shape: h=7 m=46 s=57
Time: h=7 m=43 s=8
